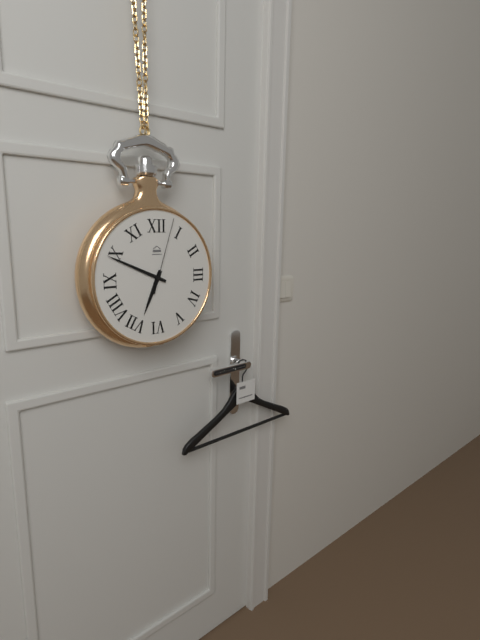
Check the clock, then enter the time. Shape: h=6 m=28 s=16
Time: h=6 m=49 s=3
